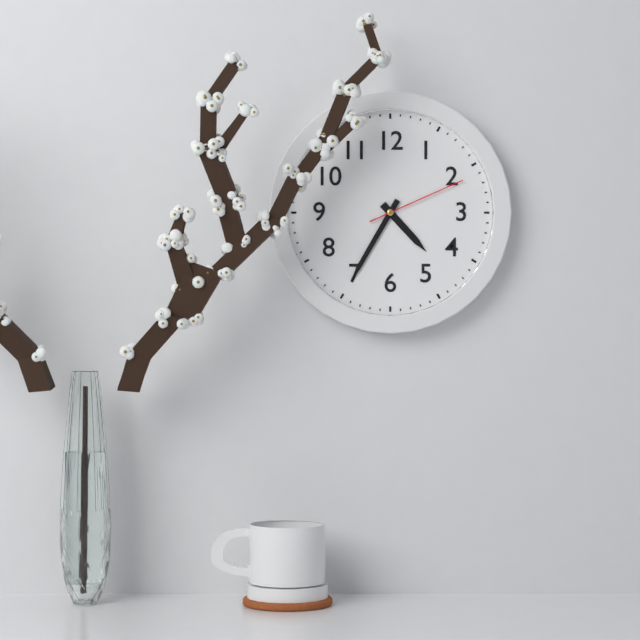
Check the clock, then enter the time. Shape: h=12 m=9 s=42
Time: h=4 m=35 s=11
